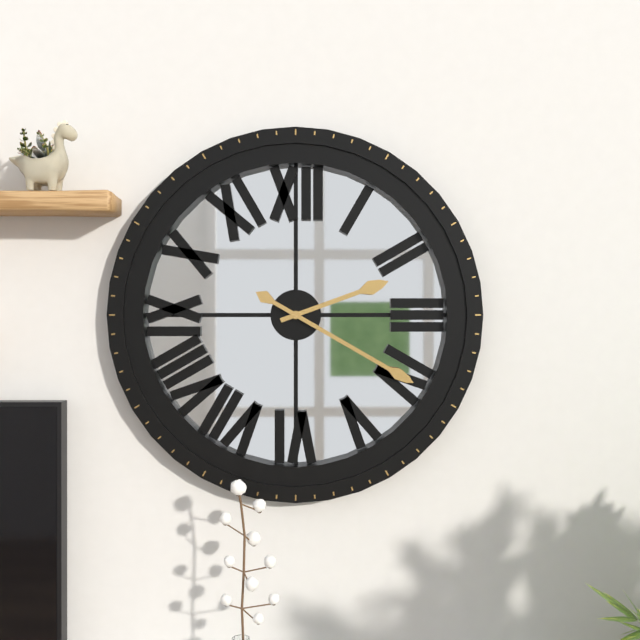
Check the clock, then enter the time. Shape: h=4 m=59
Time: h=2 m=20
